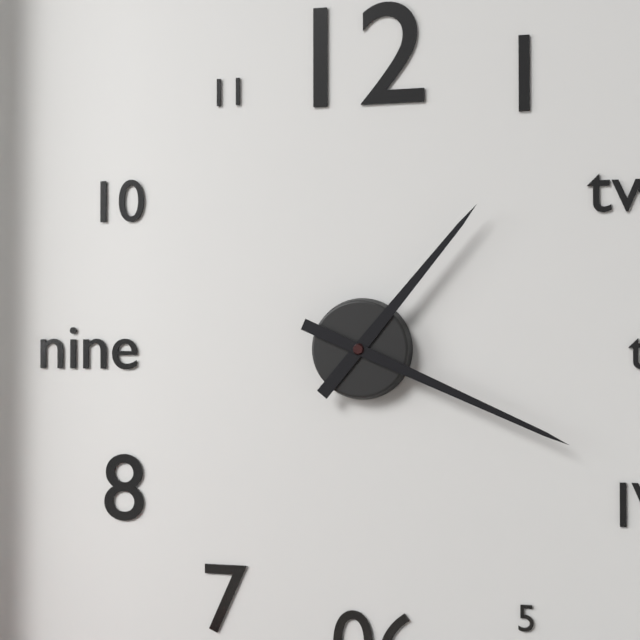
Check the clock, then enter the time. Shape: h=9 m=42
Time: h=1 m=19
